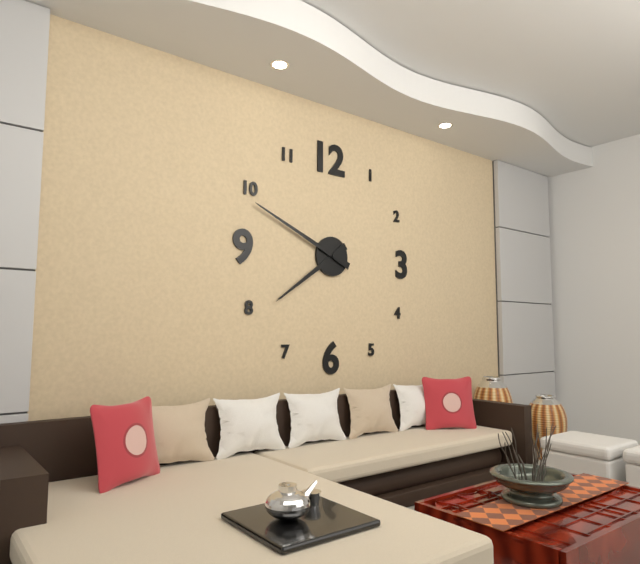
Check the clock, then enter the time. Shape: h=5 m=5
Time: h=7 m=49
